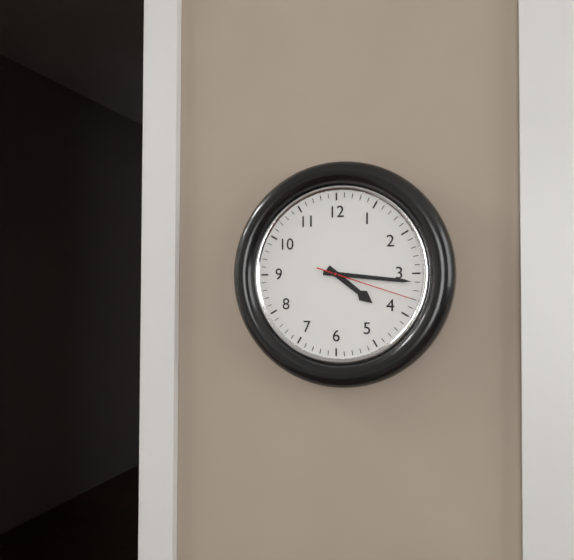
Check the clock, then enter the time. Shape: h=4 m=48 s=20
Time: h=4 m=16 s=18
